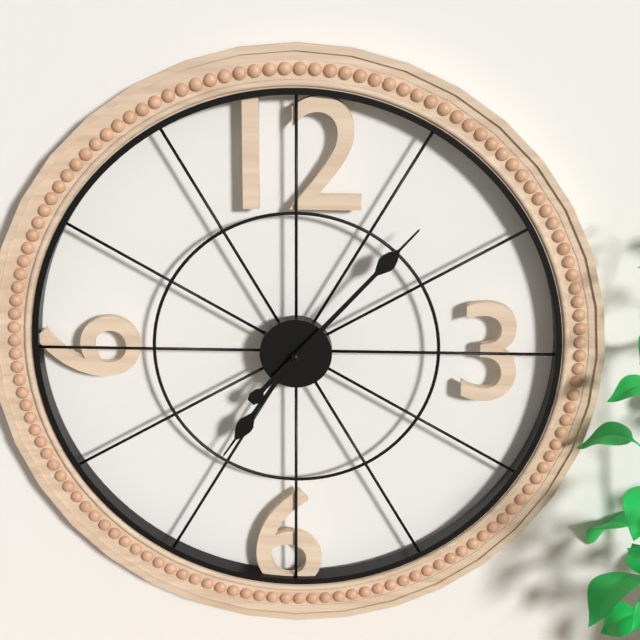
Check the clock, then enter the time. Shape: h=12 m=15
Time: h=7 m=7
